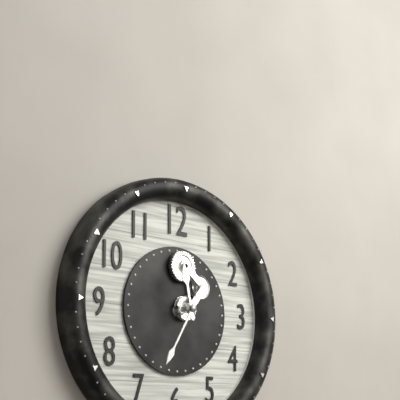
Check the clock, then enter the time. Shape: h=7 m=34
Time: h=11 m=35
